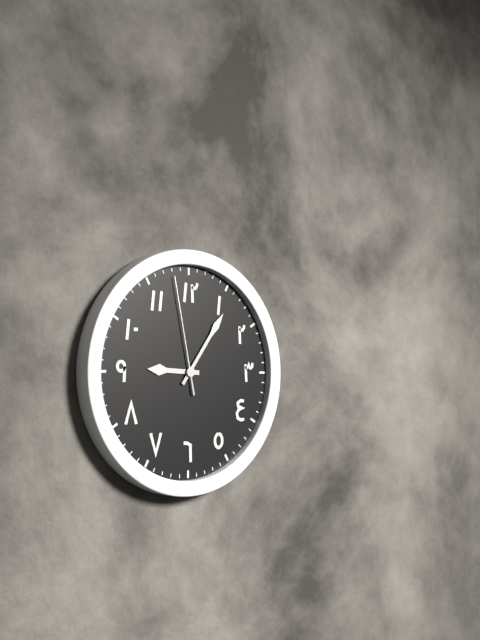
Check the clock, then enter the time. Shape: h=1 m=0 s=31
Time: h=9 m=6 s=58
